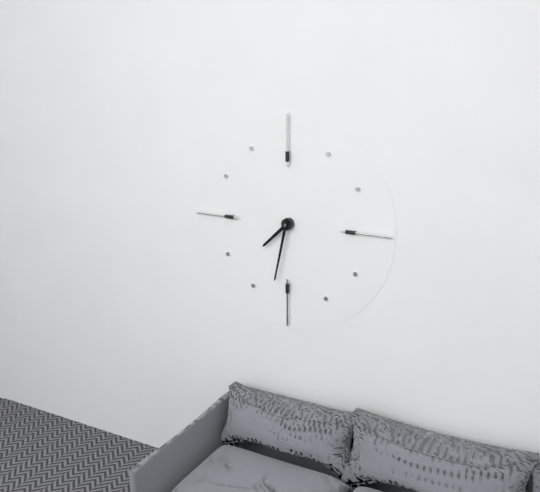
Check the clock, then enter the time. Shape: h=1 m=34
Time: h=7 m=32
